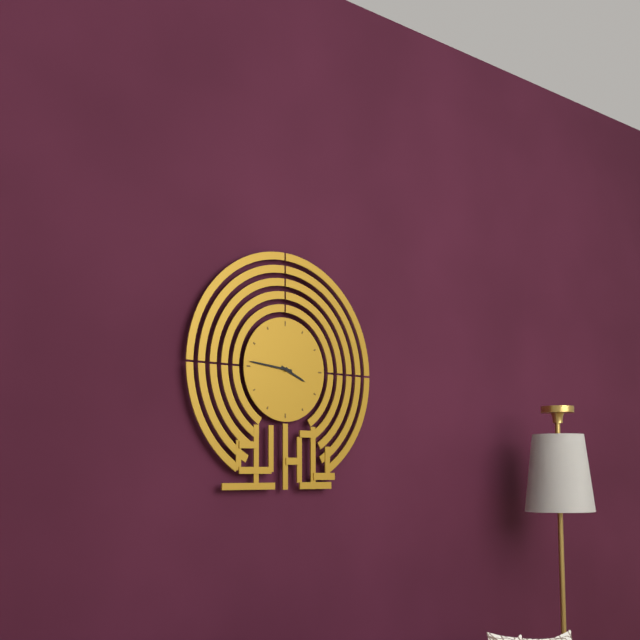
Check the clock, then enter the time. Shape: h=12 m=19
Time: h=3 m=46
